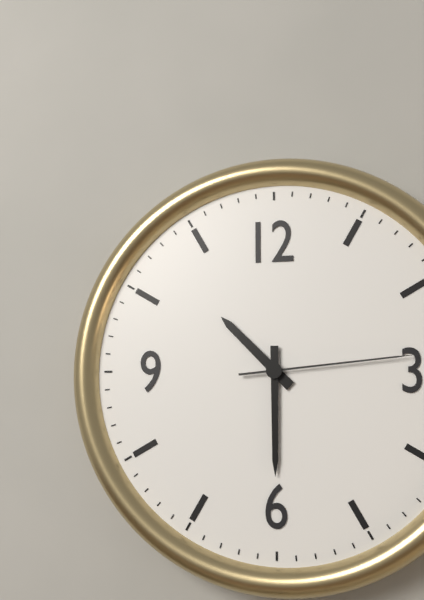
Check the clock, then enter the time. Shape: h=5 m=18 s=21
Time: h=10 m=30 s=14
